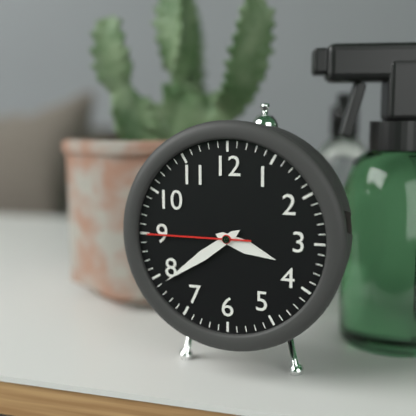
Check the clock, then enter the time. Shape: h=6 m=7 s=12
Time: h=3 m=39 s=45
